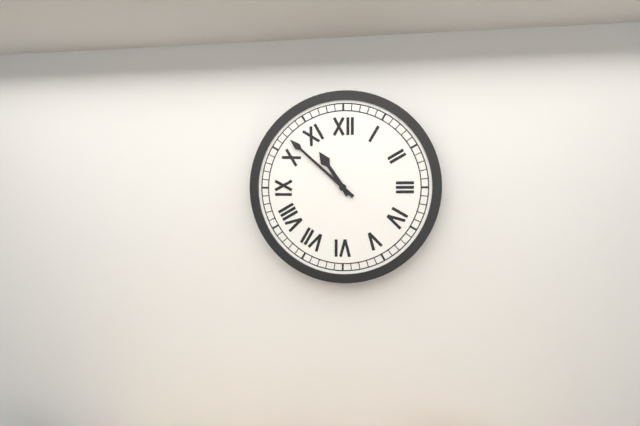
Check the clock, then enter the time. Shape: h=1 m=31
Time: h=10 m=52
